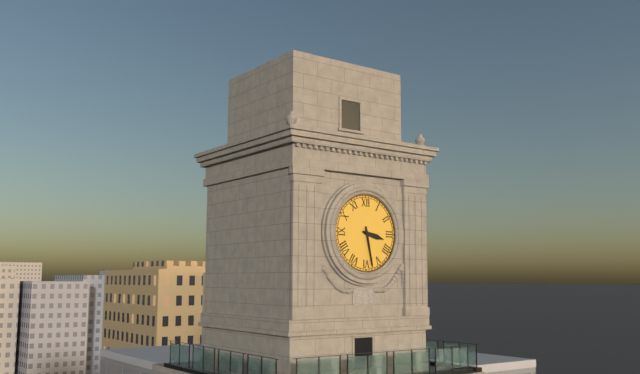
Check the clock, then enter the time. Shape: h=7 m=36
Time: h=3 m=28
